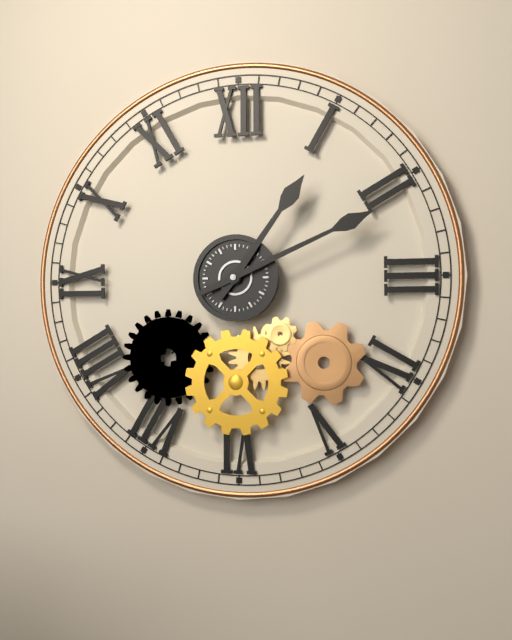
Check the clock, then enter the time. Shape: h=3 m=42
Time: h=1 m=11
